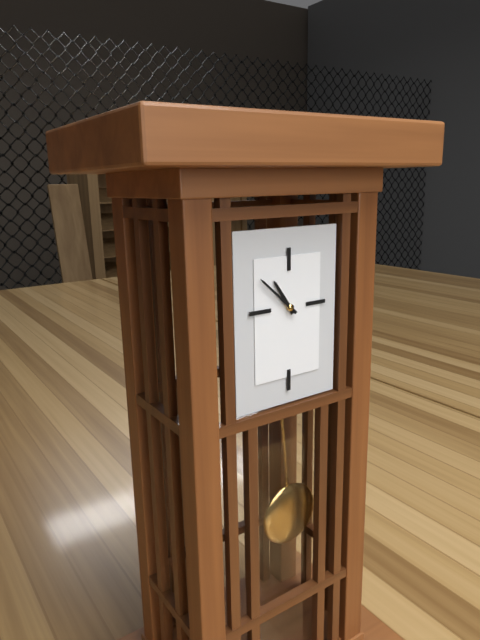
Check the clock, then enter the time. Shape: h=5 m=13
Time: h=10 m=52
